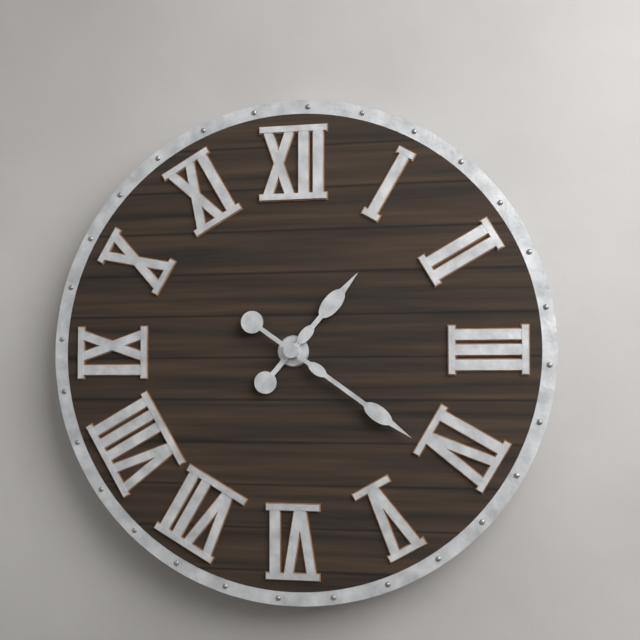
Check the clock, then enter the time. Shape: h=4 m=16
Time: h=1 m=21
